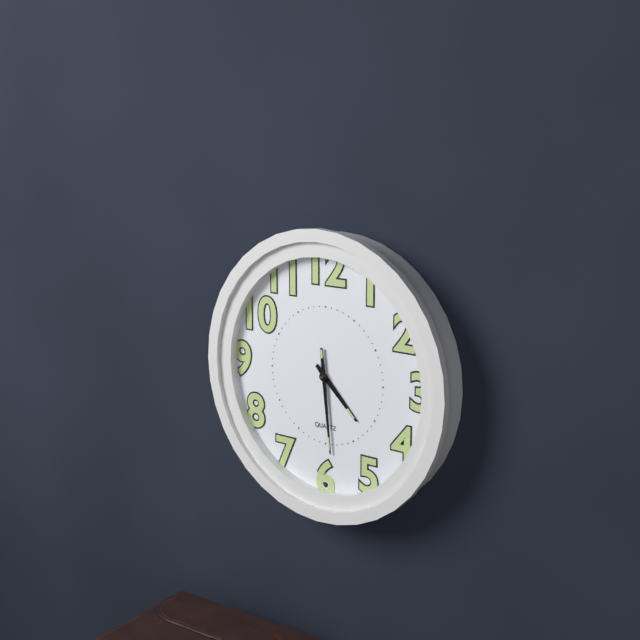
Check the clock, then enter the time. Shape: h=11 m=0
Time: h=4 m=29
